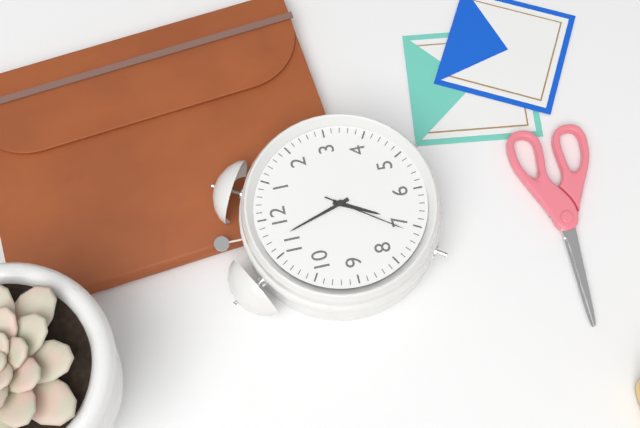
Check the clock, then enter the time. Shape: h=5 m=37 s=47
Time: h=6 m=57 s=36
